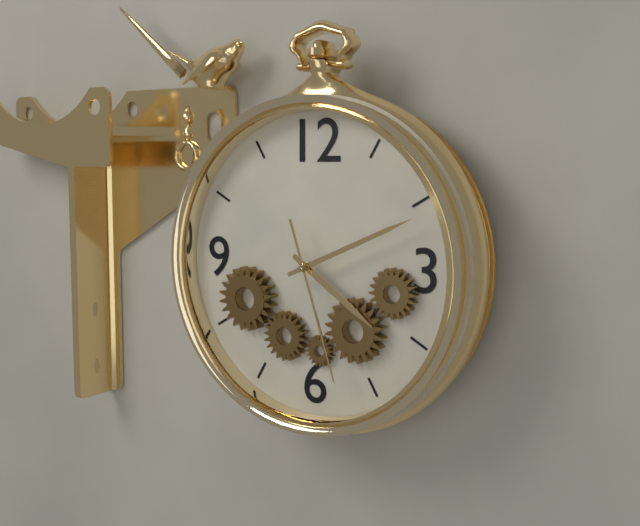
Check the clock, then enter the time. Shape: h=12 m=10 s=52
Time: h=4 m=11 s=27
